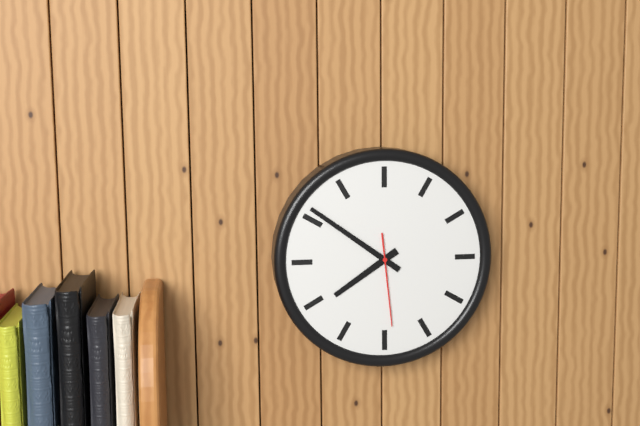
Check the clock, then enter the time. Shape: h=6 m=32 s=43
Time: h=7 m=51 s=29
